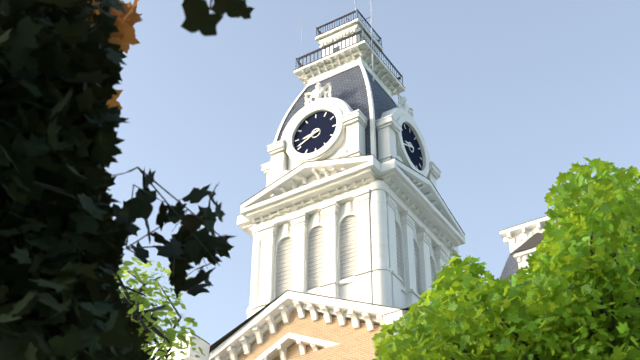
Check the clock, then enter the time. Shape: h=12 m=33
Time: h=8 m=41
